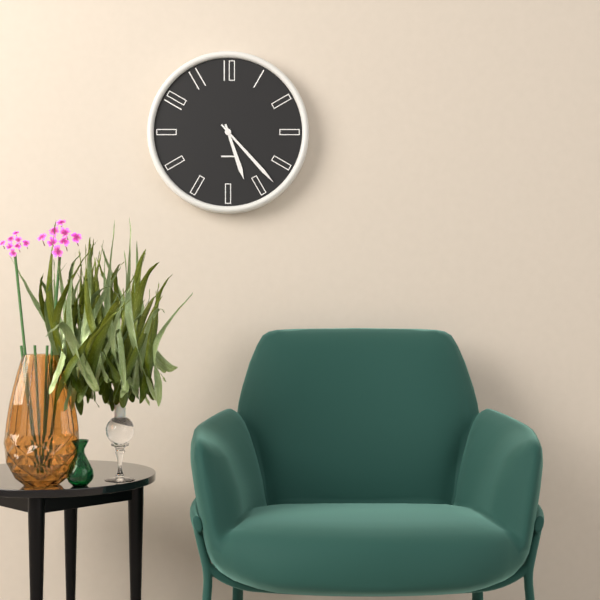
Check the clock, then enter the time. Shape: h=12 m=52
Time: h=5 m=23
